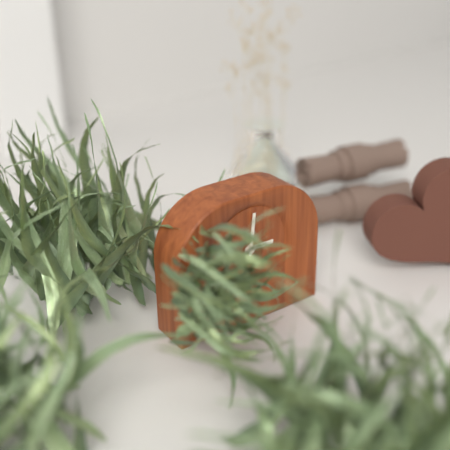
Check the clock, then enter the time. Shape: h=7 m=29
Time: h=3 m=1
